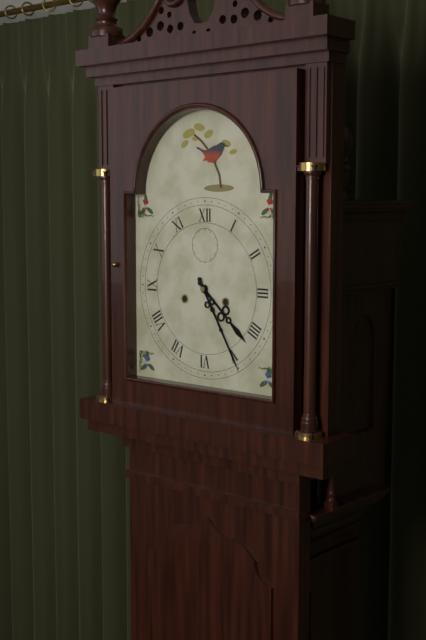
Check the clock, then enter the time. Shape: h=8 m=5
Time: h=4 m=25
